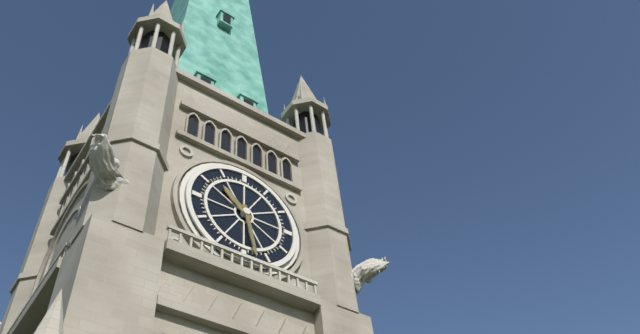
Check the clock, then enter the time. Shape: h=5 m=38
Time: h=10 m=28
